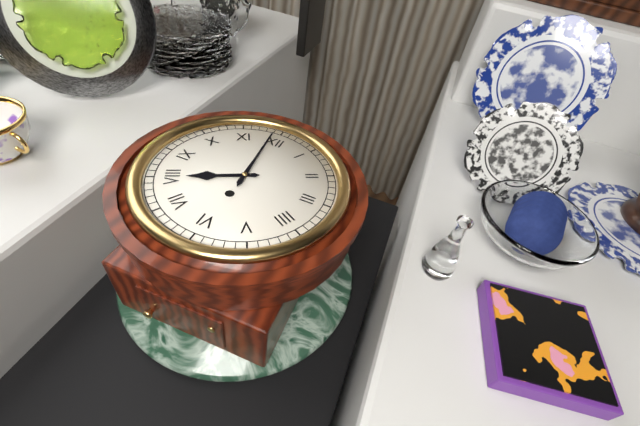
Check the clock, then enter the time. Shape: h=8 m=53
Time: h=7 m=59
